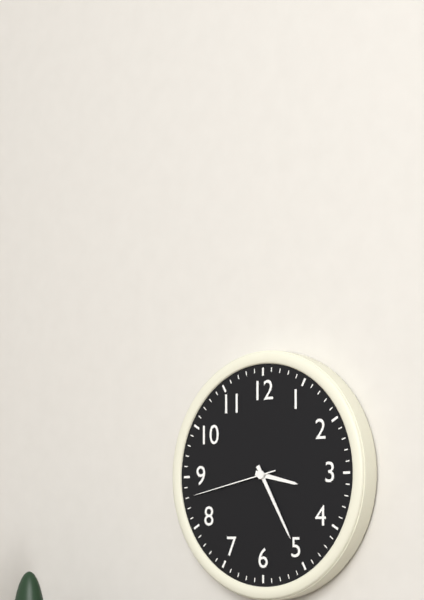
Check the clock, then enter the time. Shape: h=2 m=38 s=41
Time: h=3 m=25 s=43
